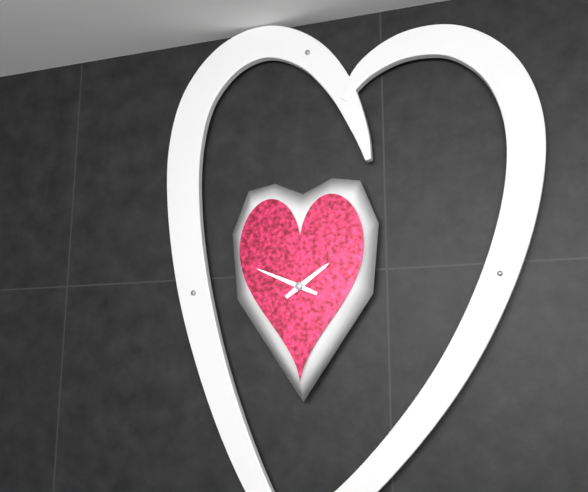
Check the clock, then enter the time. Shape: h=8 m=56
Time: h=1 m=49
